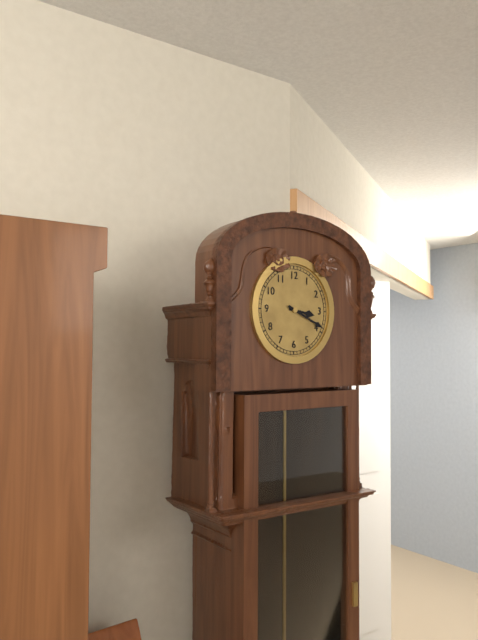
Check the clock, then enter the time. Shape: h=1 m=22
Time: h=3 m=19
